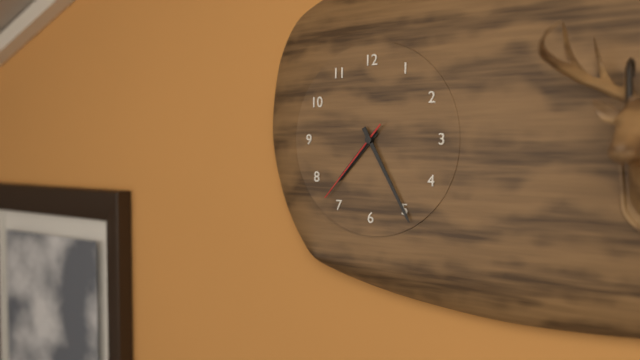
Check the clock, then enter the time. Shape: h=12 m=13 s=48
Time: h=7 m=25 s=37
